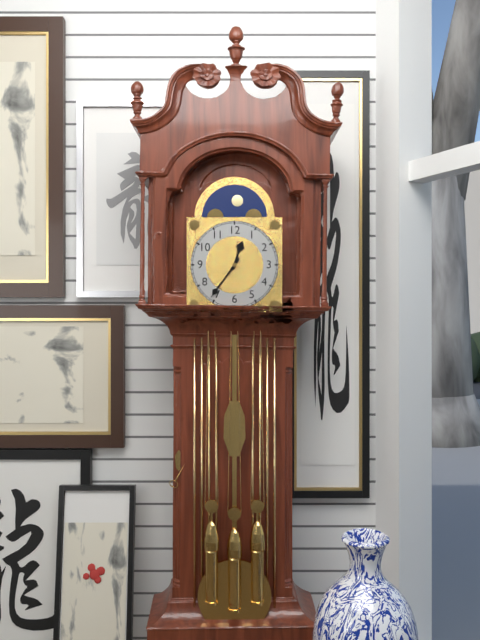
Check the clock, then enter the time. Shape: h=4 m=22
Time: h=12 m=36
